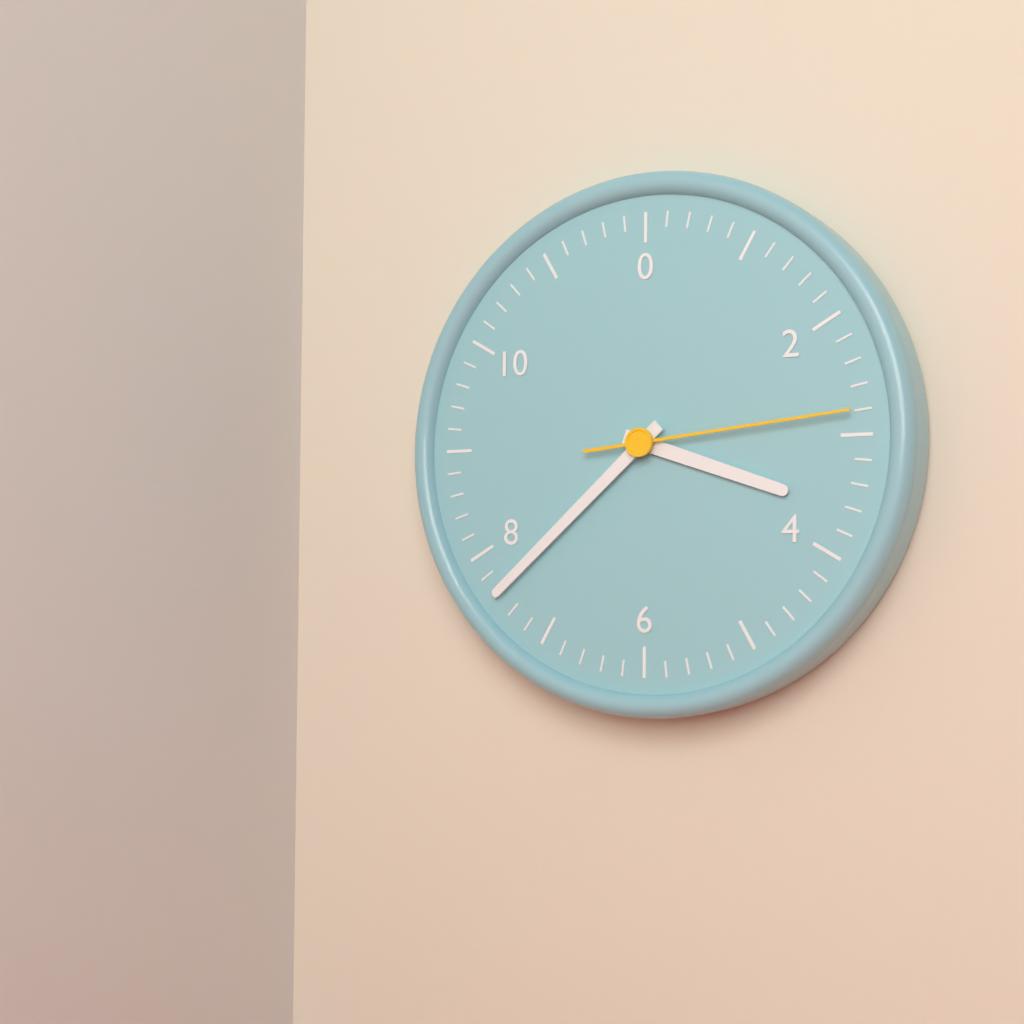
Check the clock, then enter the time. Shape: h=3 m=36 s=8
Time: h=3 m=38 s=14
